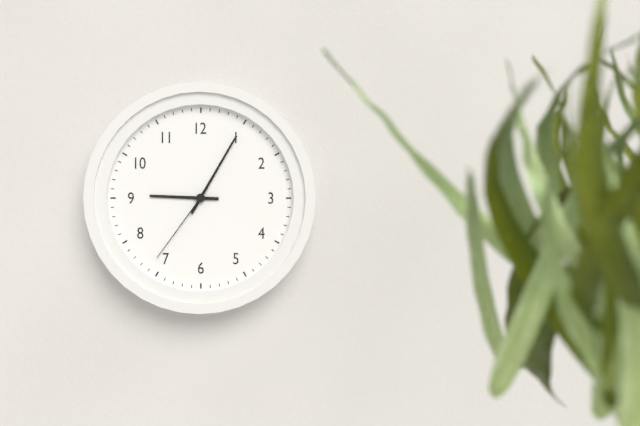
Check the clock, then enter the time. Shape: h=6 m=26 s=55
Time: h=9 m=5 s=36
